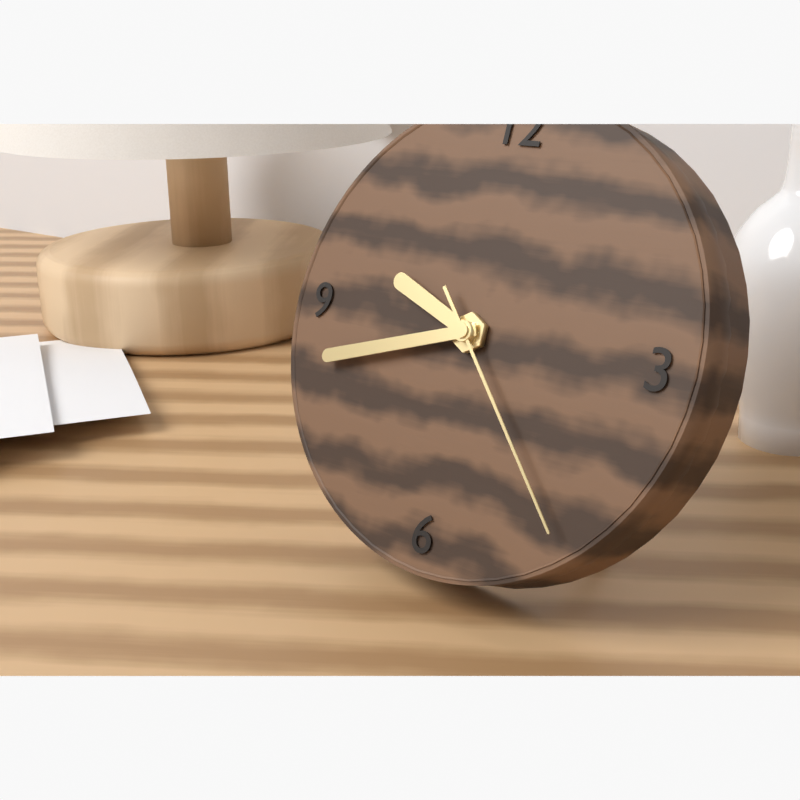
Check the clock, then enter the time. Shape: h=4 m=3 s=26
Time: h=9 m=42 s=23
